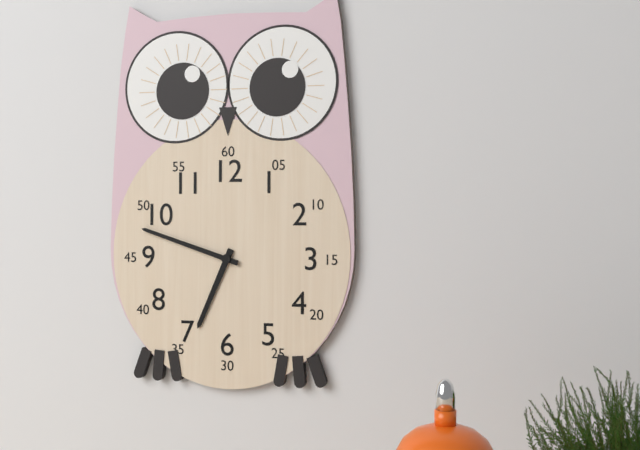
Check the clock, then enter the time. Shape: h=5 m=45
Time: h=6 m=48
